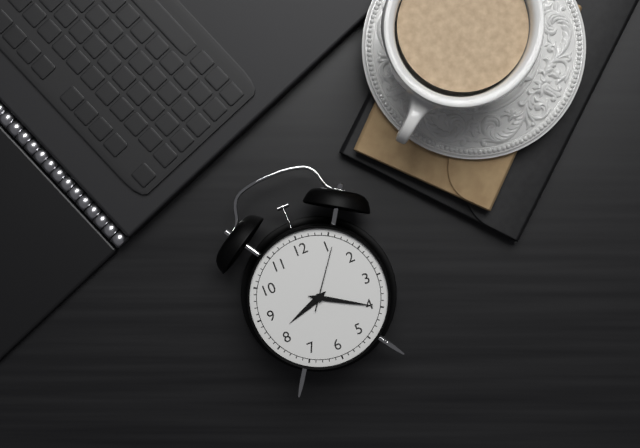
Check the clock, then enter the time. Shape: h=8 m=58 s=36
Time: h=8 m=20 s=6
